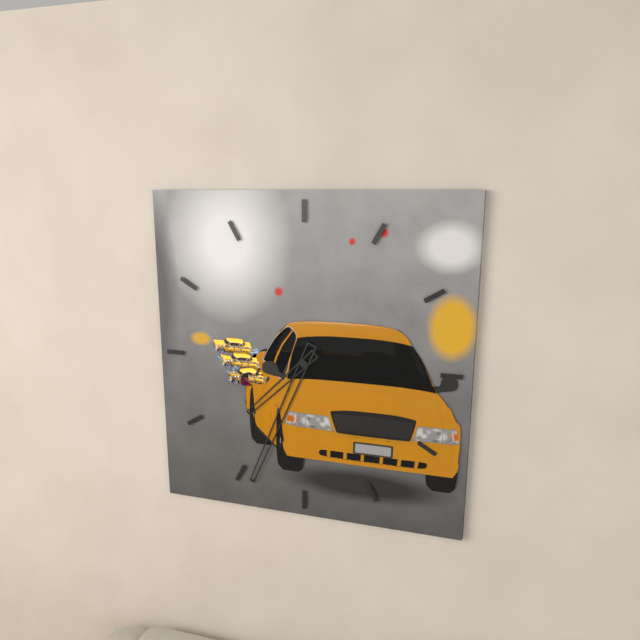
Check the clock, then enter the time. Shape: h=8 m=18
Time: h=7 m=34
